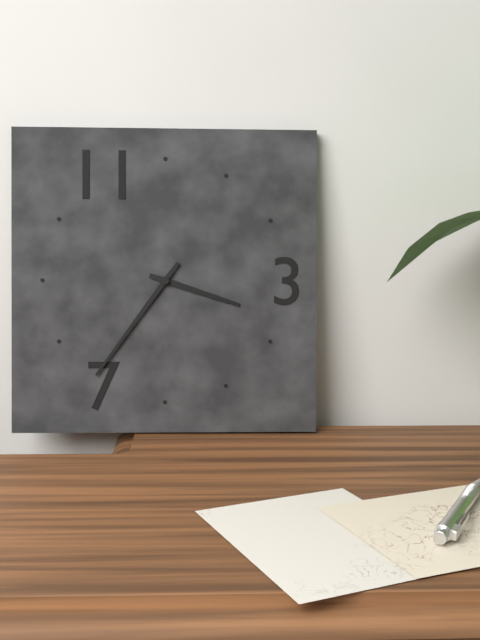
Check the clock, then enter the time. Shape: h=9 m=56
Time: h=3 m=36
